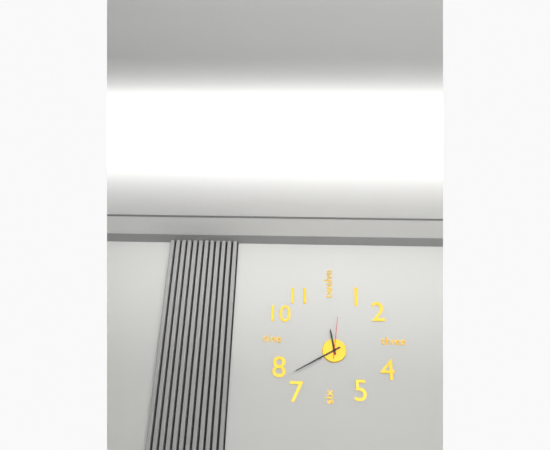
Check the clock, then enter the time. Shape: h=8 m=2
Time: h=11 m=40
